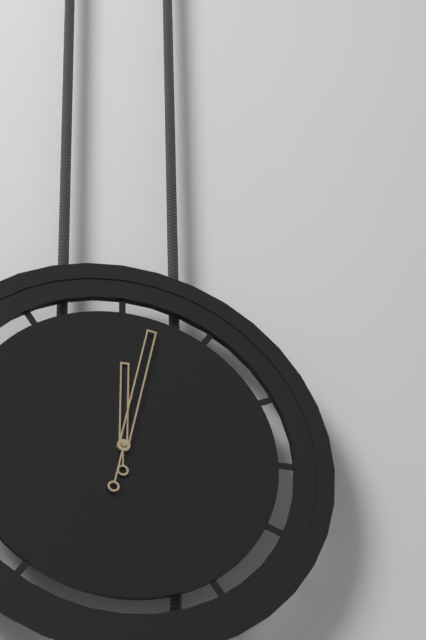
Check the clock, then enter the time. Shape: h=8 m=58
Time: h=12 m=2
